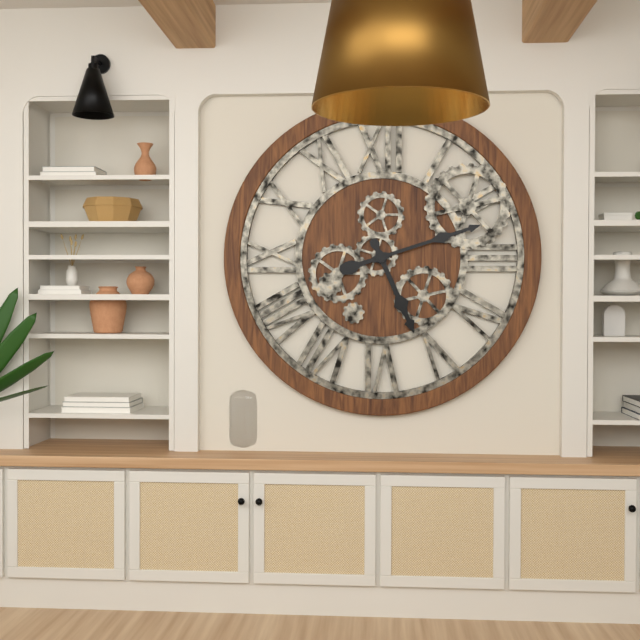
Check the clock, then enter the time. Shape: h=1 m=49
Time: h=5 m=12
